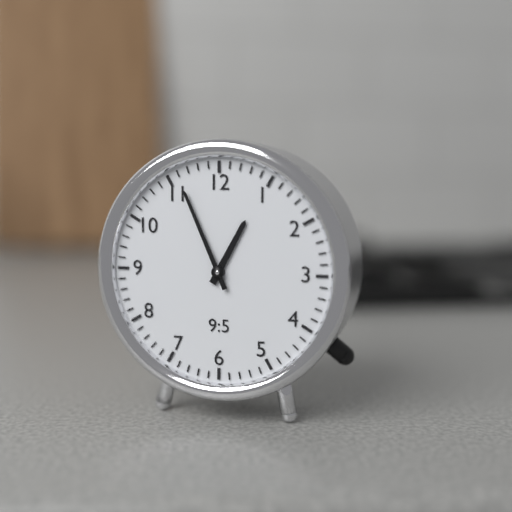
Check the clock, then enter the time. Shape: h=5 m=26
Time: h=12 m=56
